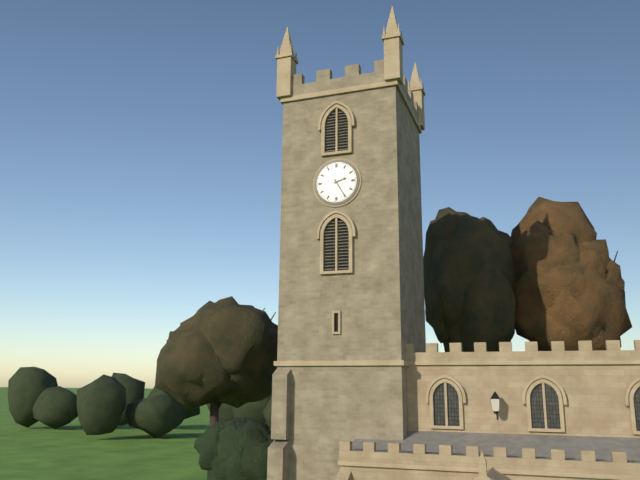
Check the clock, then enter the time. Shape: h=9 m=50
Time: h=2 m=25
